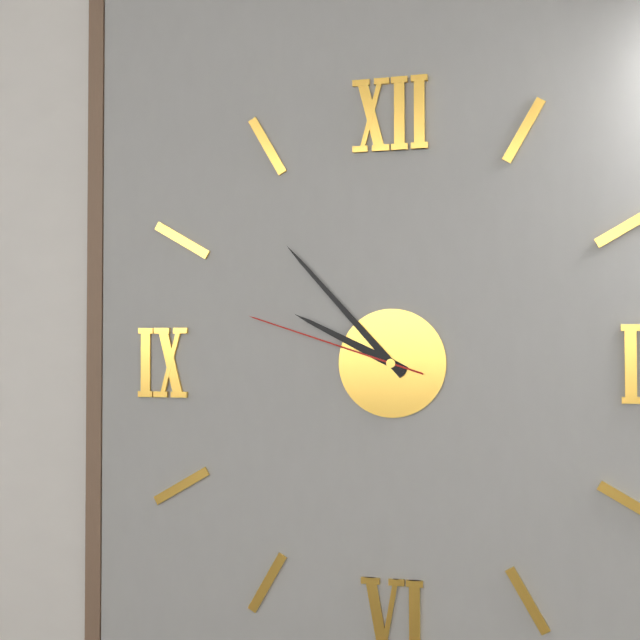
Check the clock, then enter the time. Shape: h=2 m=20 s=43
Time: h=9 m=53 s=48
